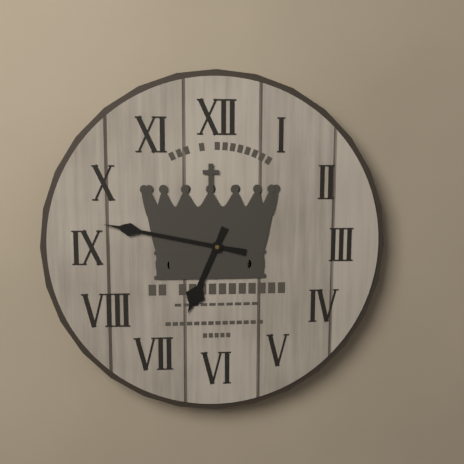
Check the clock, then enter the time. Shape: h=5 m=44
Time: h=6 m=47
